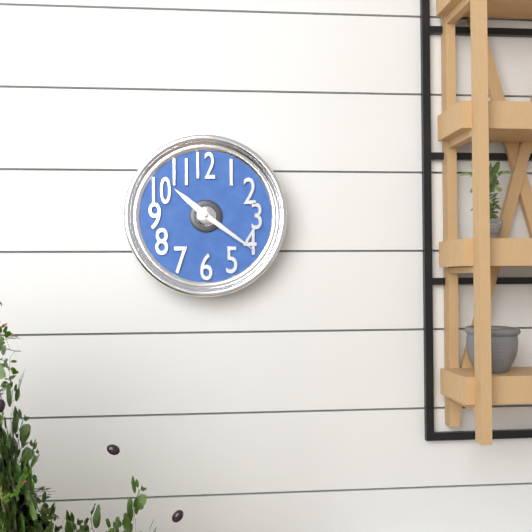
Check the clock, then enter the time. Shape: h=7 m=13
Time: h=10 m=21
